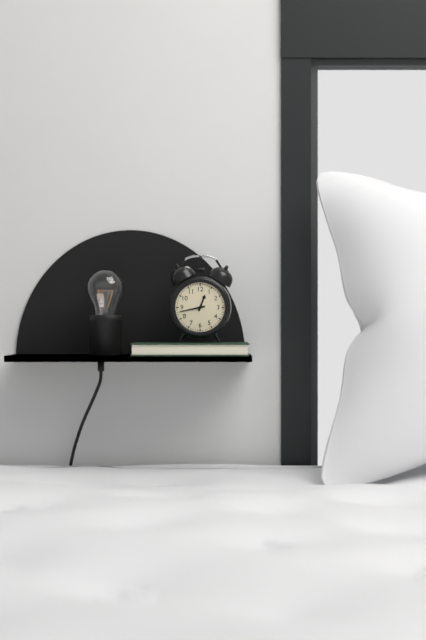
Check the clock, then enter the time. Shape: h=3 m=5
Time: h=12 m=43
